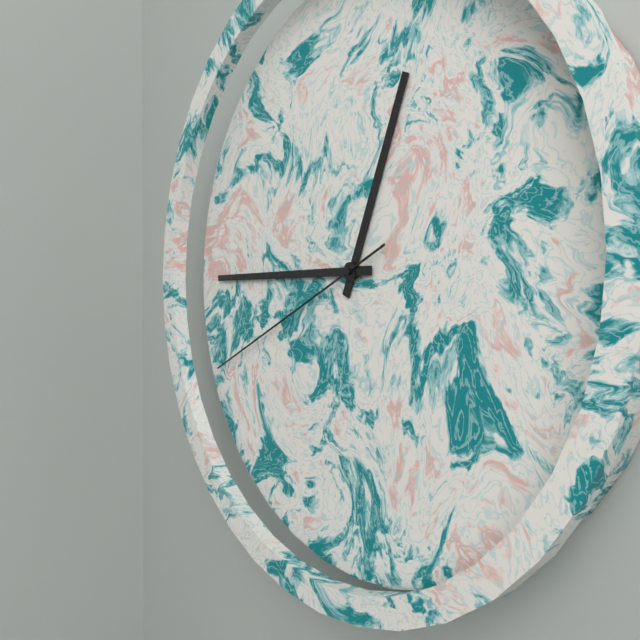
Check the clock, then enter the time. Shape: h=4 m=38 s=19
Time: h=12 m=45 s=41
